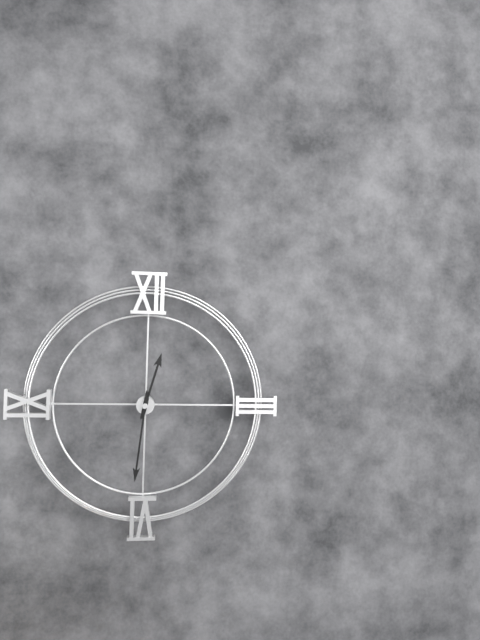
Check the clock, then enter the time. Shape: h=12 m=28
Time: h=12 m=31
